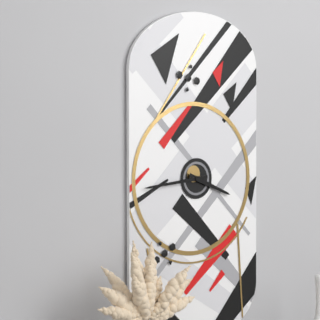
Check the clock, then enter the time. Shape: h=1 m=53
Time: h=3 m=44
